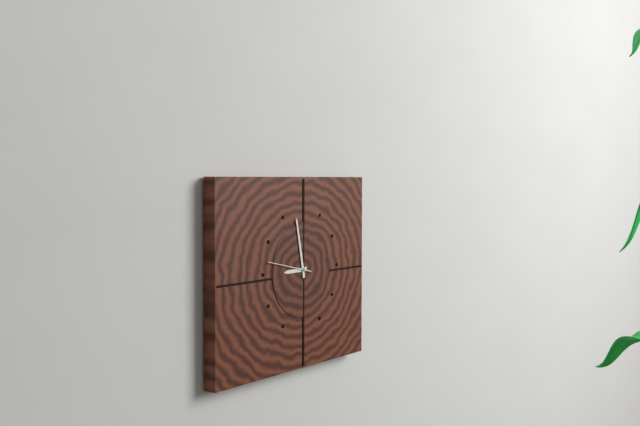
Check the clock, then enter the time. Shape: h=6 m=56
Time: h=8 m=58
